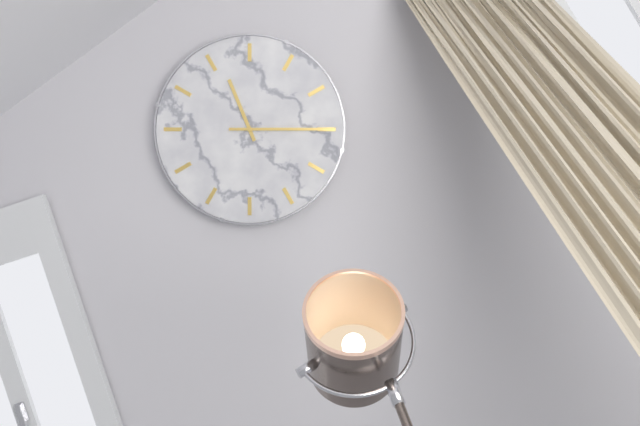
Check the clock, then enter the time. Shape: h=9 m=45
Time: h=11 m=15
